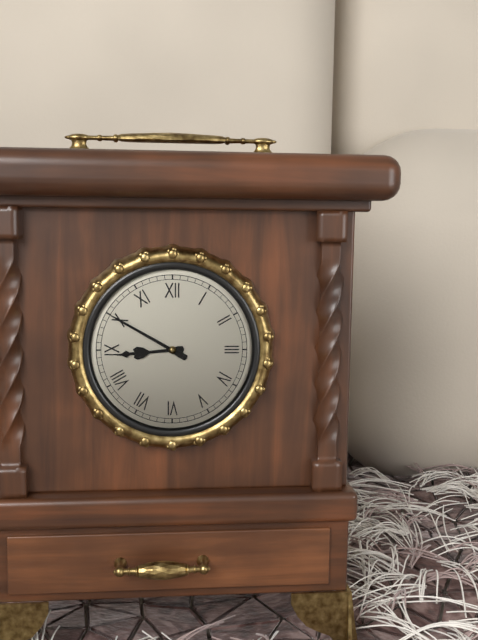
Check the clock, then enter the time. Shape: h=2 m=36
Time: h=8 m=50
